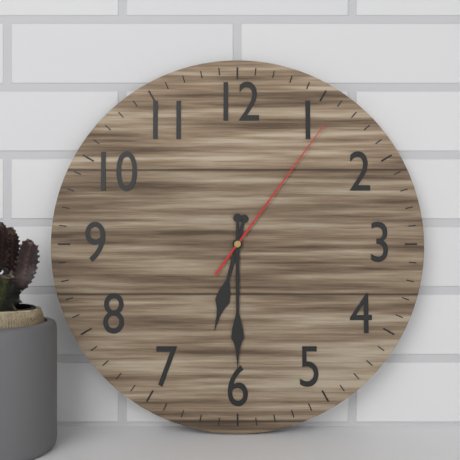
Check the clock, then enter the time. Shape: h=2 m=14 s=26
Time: h=6 m=30 s=6
